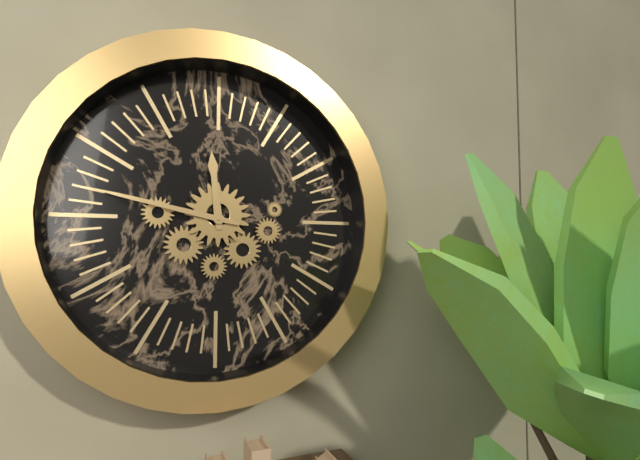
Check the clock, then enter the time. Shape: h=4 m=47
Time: h=11 m=47
